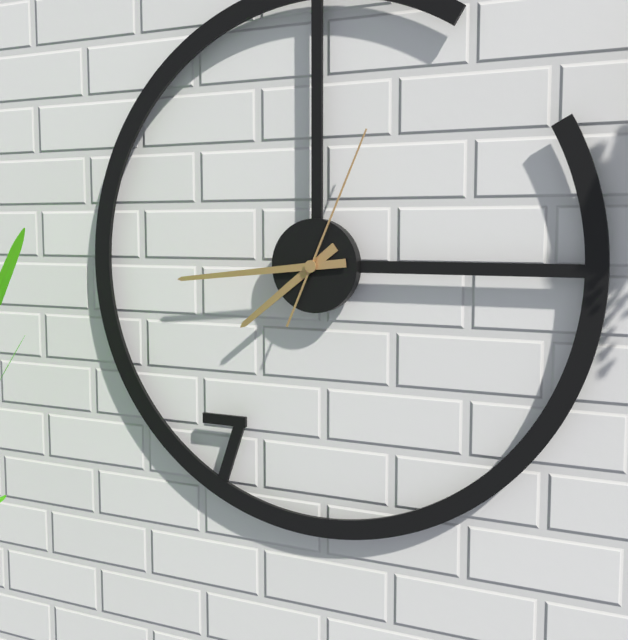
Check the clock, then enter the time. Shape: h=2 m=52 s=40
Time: h=7 m=44 s=4
